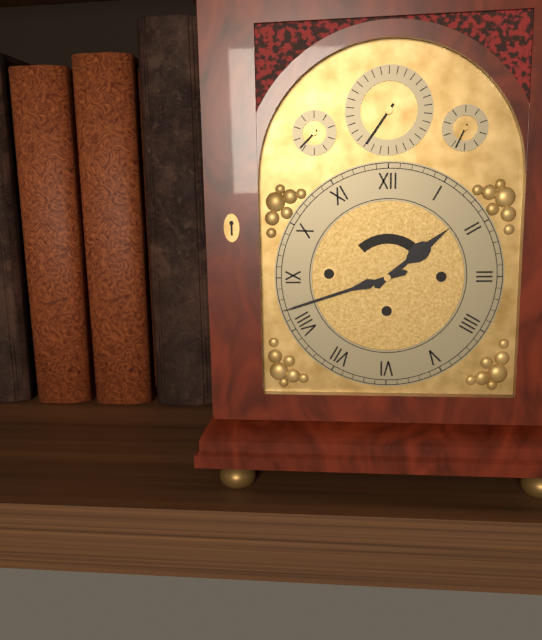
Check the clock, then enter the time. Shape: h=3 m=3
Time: h=1 m=42
